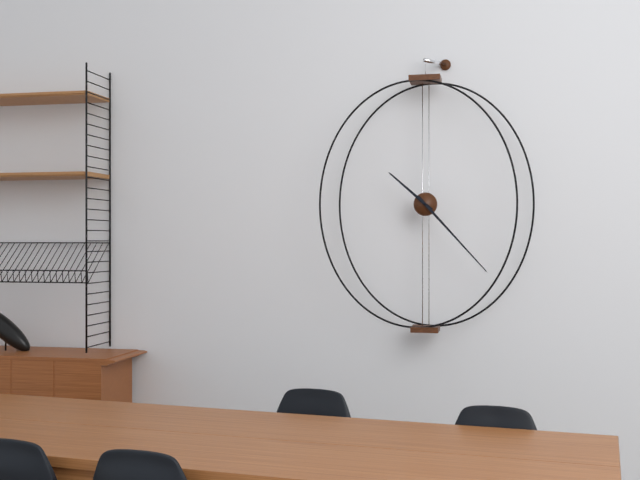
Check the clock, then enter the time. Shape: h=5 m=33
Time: h=10 m=23
